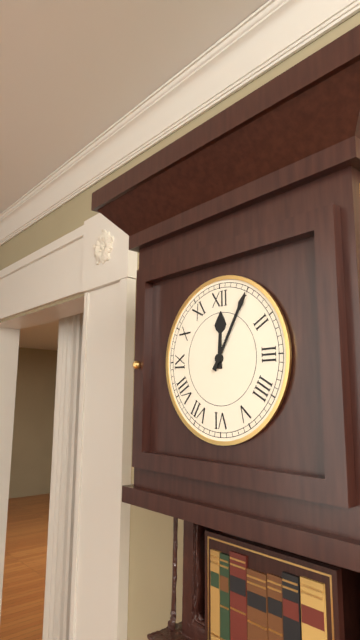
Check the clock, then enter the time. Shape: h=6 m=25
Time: h=12 m=5
